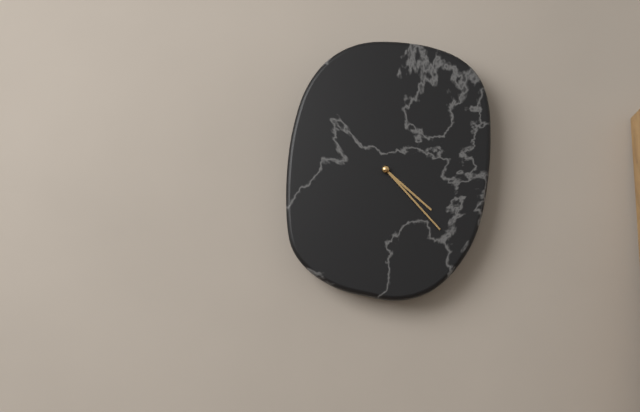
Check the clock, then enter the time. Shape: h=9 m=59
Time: h=4 m=23
